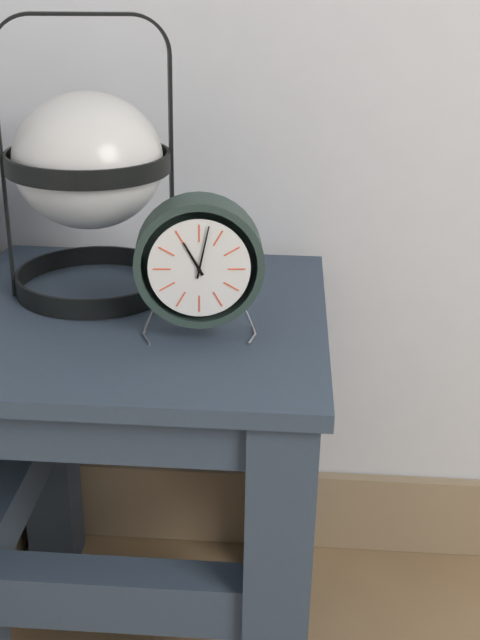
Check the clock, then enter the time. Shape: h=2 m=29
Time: h=11 m=2
